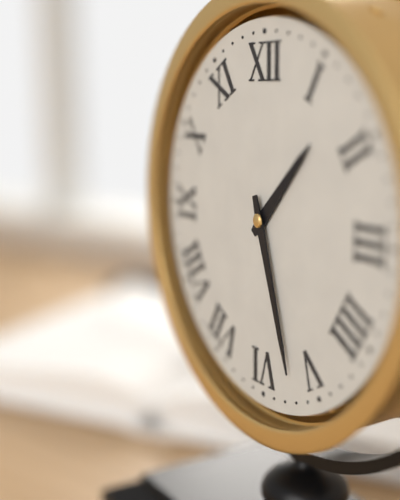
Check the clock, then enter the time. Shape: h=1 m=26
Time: h=1 m=27
